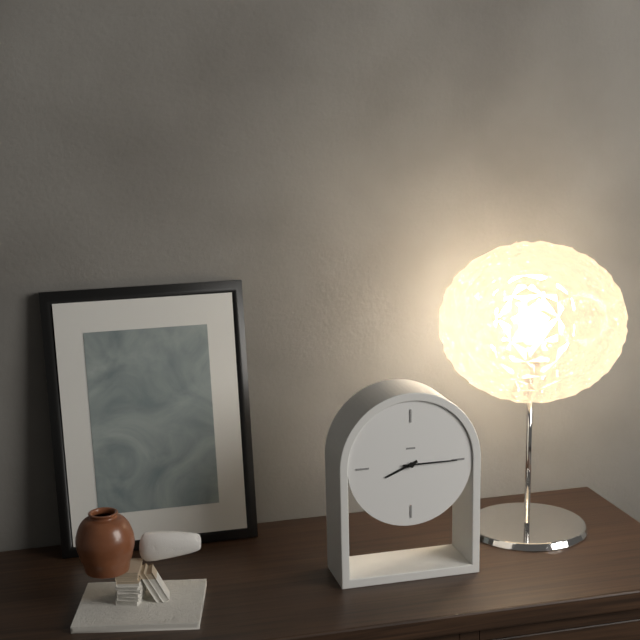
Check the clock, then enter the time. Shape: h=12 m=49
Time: h=8 m=15
